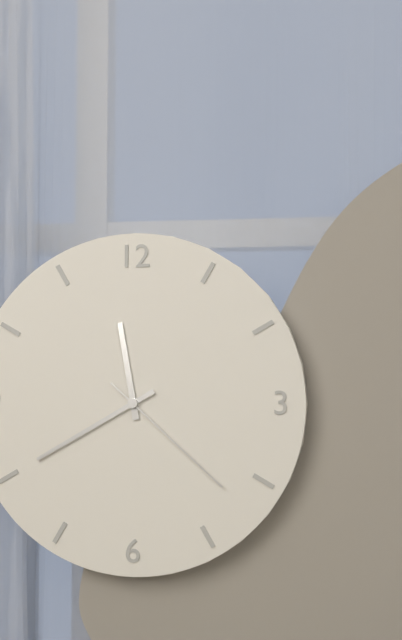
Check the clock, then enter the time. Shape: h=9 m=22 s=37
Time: h=11 m=40 s=22
